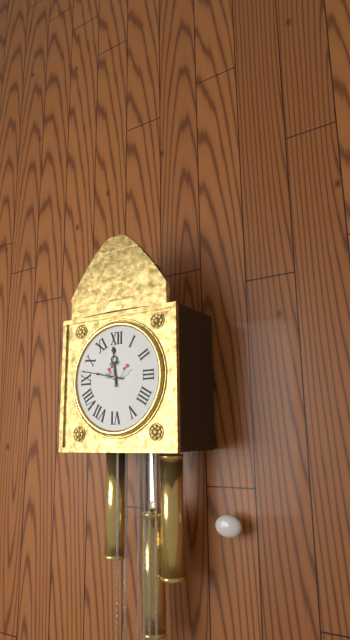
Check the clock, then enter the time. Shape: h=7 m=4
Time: h=11 m=47
